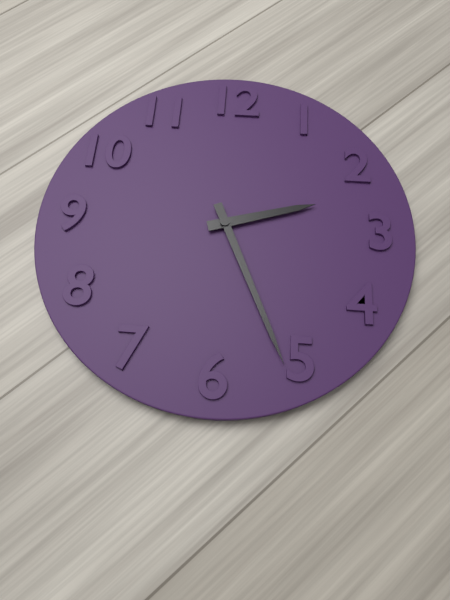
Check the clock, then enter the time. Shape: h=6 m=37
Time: h=2 m=26
